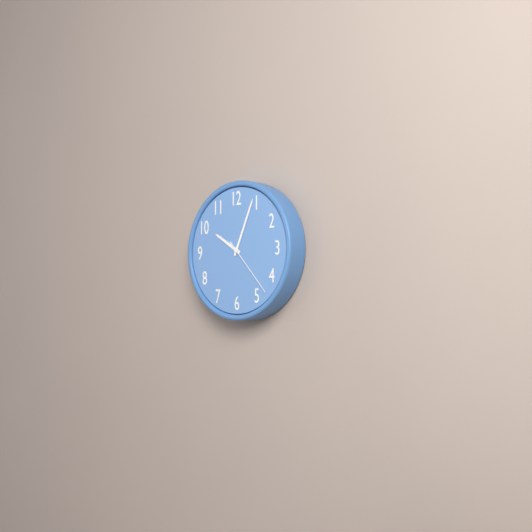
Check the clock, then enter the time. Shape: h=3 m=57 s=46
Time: h=10 m=4 s=23
